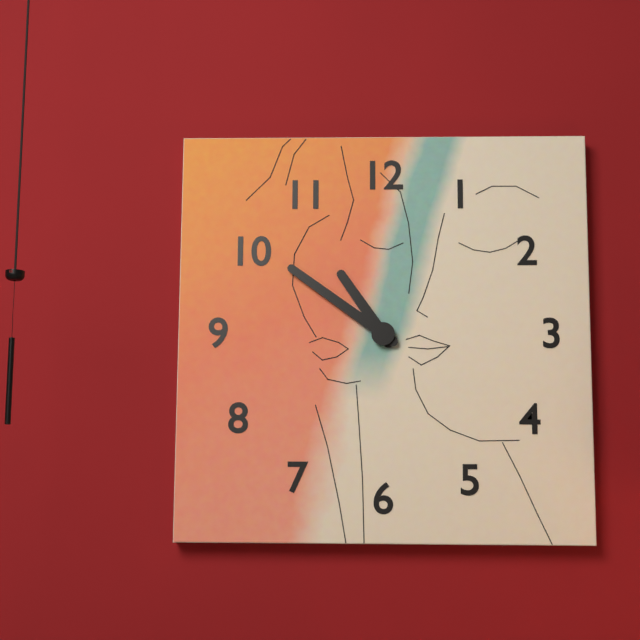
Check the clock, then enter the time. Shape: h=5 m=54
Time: h=10 m=51
